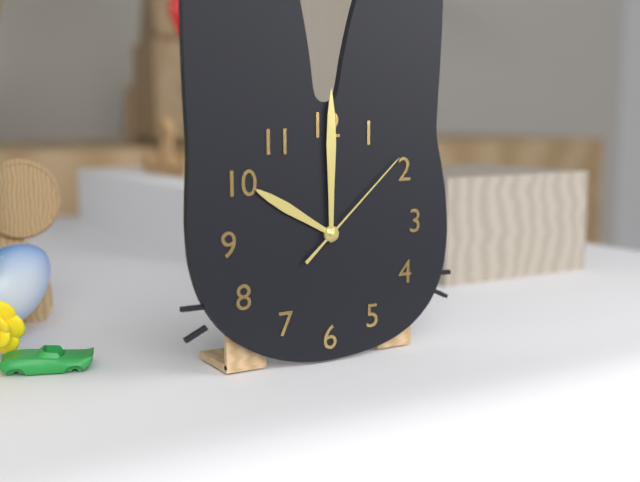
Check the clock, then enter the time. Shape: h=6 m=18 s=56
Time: h=10 m=0 s=8
